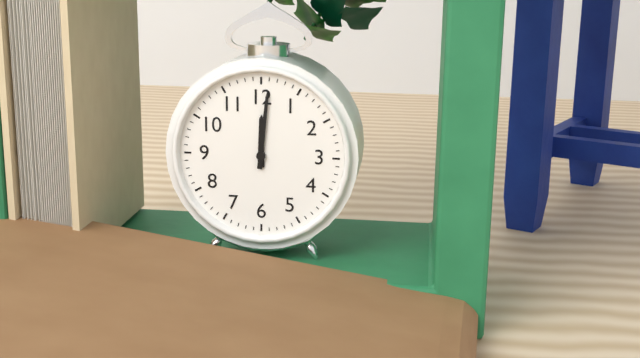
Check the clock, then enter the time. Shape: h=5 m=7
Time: h=12 m=1
